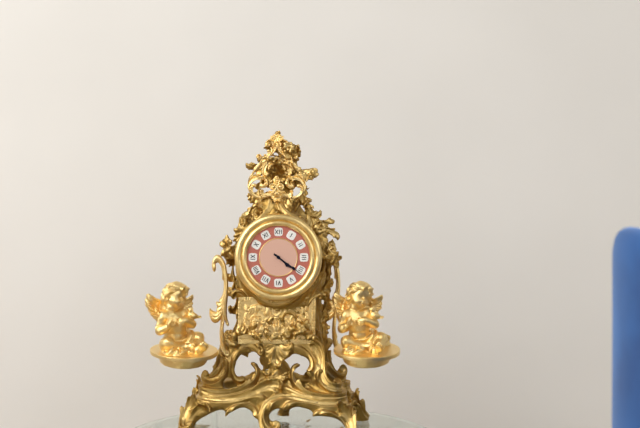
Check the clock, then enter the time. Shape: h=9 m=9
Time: h=4 m=21
